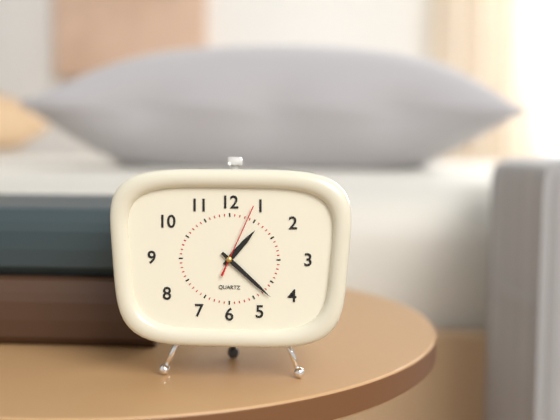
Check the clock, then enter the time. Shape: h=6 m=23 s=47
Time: h=1 m=22 s=4
